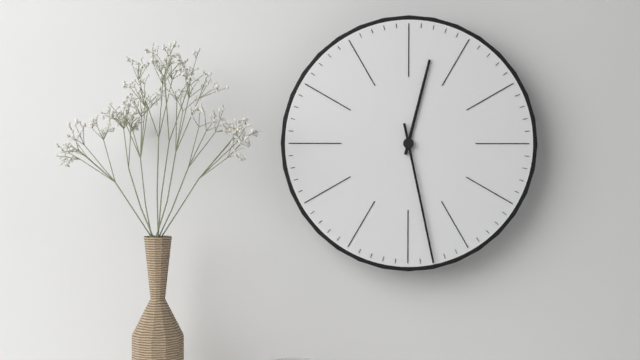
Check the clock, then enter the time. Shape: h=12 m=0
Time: h=12 m=28
